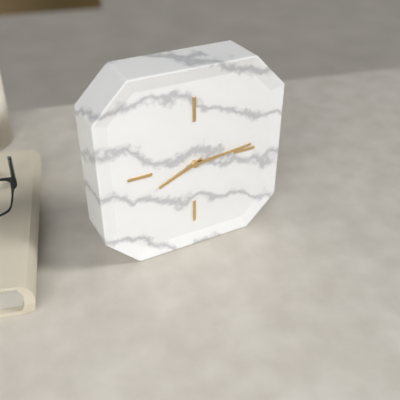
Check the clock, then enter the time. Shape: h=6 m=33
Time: h=8 m=14
